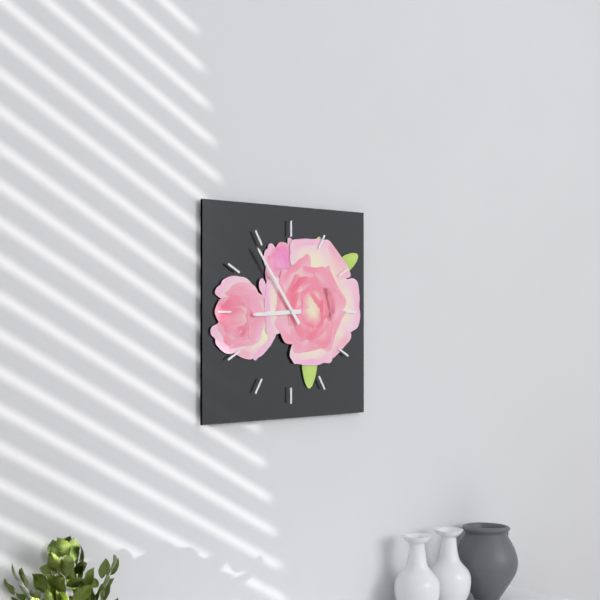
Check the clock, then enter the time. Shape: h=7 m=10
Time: h=8 m=54
